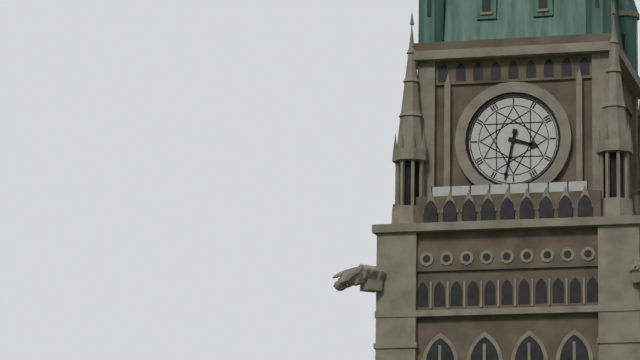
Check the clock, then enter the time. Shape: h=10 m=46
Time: h=3 m=32
